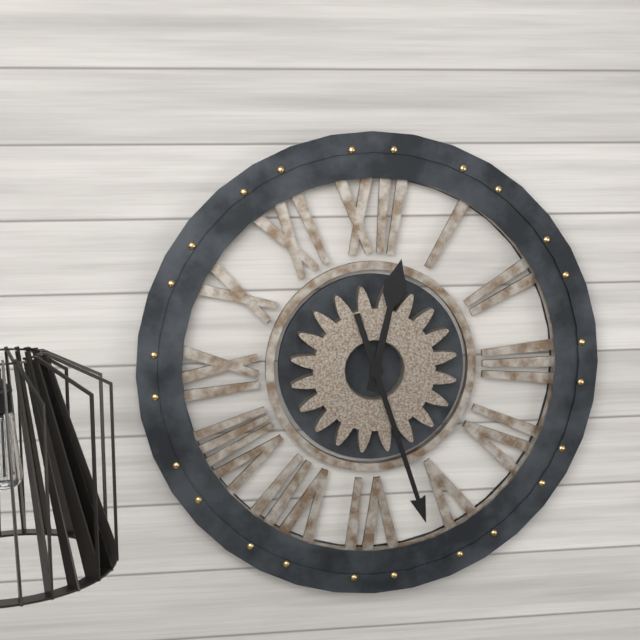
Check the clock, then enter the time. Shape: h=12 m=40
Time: h=12 m=27
